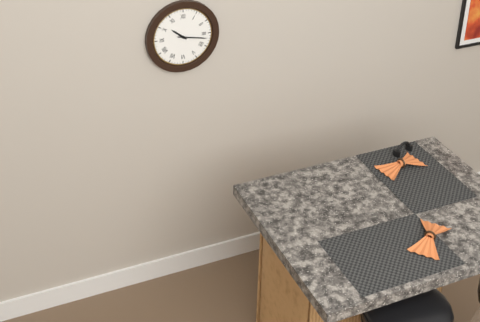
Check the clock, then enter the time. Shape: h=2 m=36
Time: h=10 m=17
